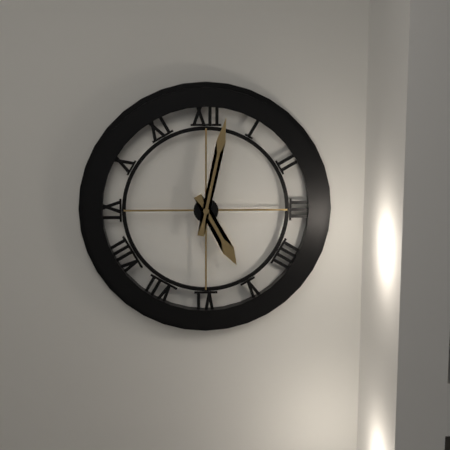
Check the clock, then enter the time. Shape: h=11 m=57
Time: h=5 m=2
